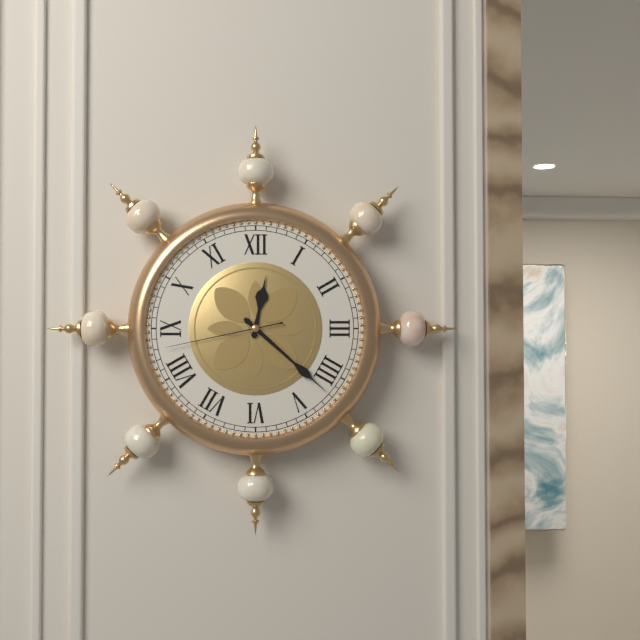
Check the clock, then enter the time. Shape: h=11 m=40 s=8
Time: h=12 m=22 s=43
